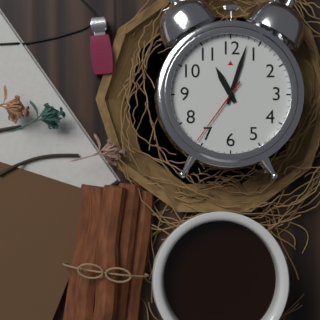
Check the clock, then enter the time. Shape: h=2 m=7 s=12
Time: h=11 m=3 s=36
